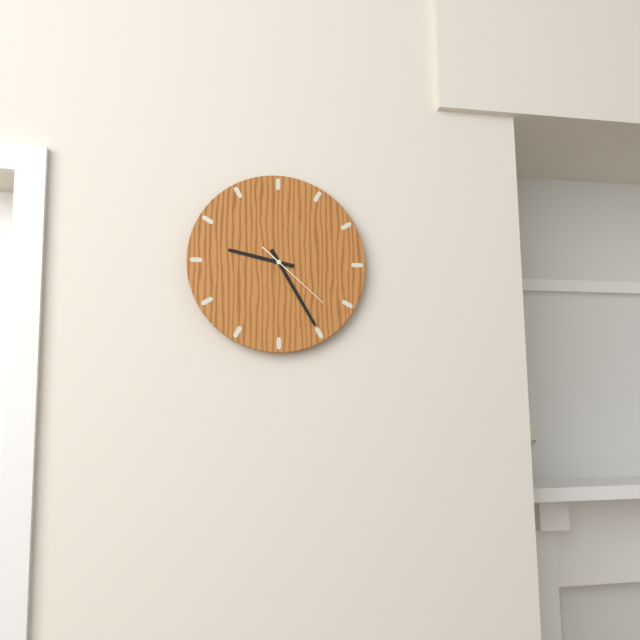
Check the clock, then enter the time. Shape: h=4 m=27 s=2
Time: h=9 m=25 s=22
